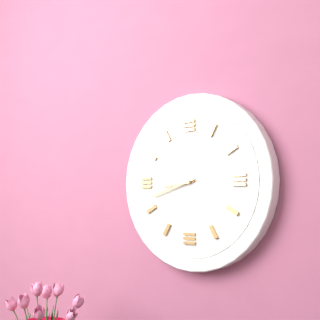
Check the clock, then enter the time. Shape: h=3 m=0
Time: h=8 m=42
